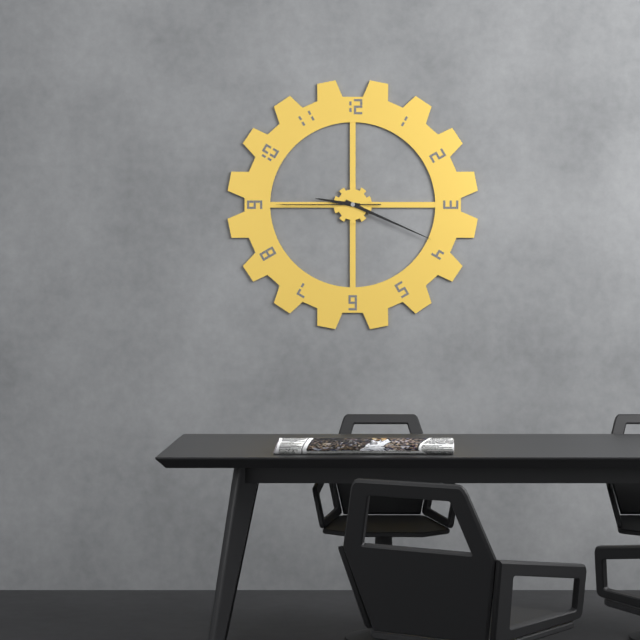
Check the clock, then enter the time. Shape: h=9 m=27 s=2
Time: h=9 m=19 s=45
